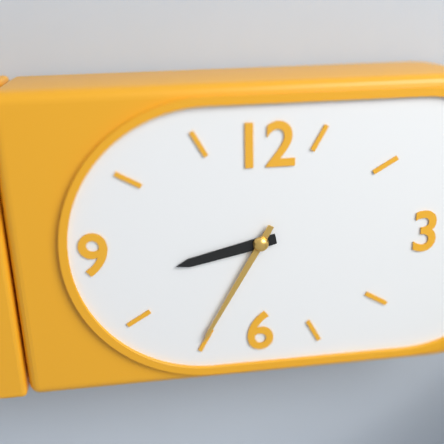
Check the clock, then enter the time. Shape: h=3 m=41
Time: h=8 m=35
